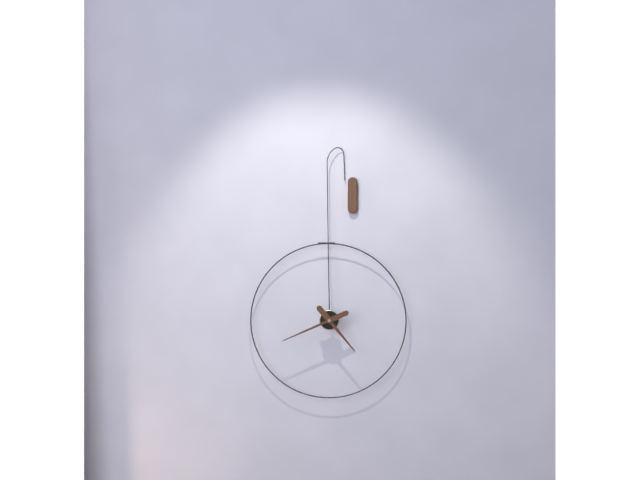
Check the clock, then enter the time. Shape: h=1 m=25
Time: h=4 m=41
